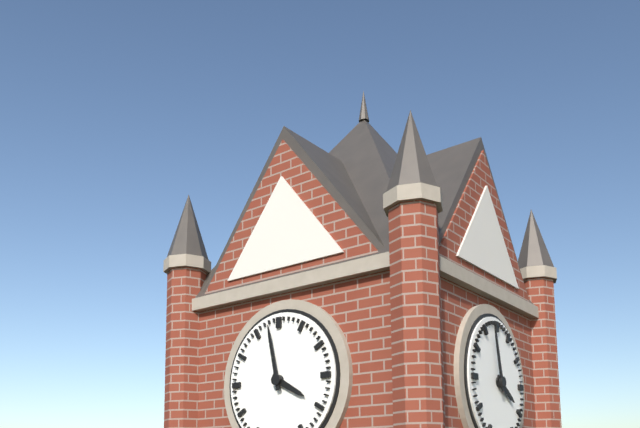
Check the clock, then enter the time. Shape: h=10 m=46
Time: h=3 m=58
